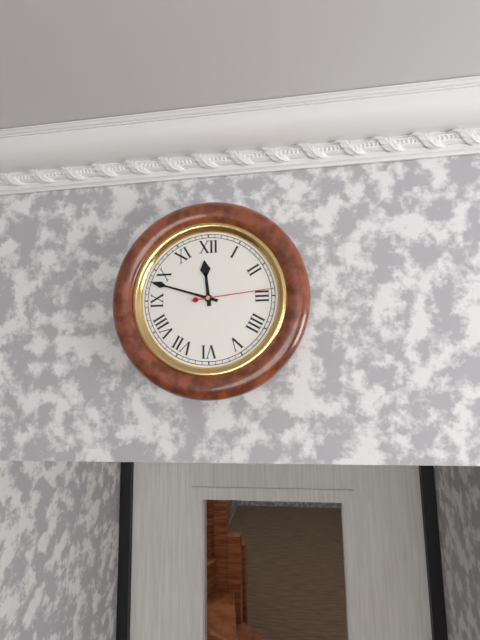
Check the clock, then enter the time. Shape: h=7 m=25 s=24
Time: h=11 m=48 s=14
